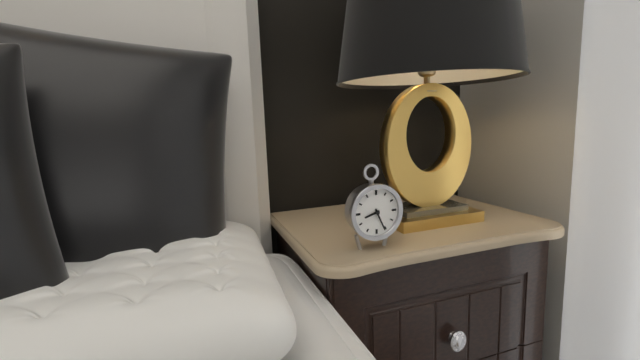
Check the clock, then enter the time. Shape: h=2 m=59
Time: h=8 m=26
